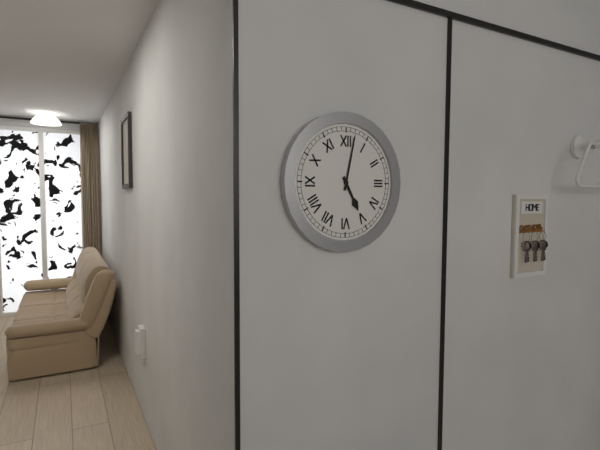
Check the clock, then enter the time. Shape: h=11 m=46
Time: h=5 m=2
